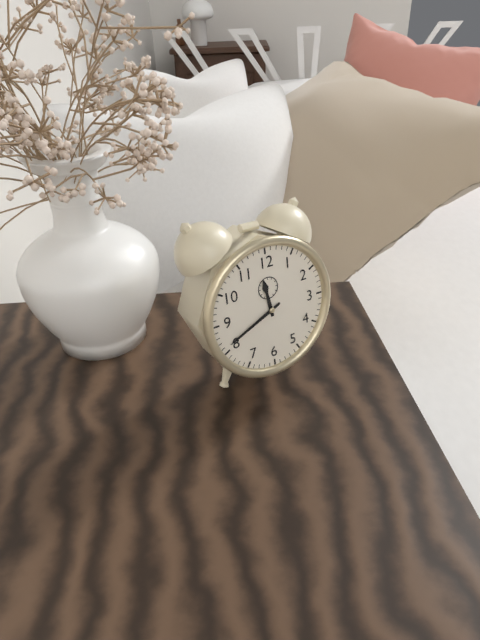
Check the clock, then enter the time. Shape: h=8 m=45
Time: h=11 m=41
